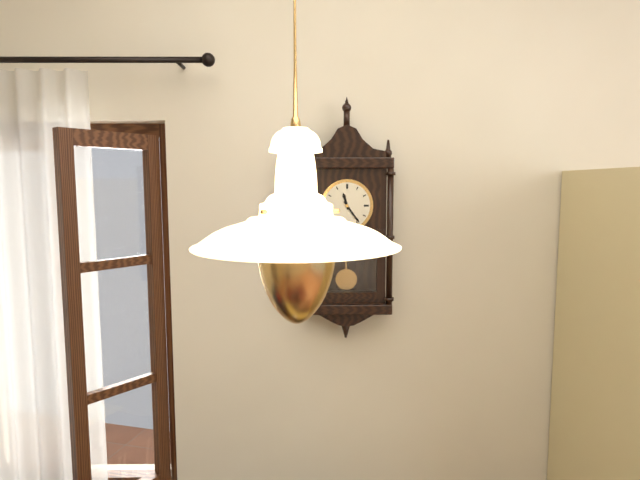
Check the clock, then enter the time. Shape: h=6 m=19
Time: h=11 m=24
